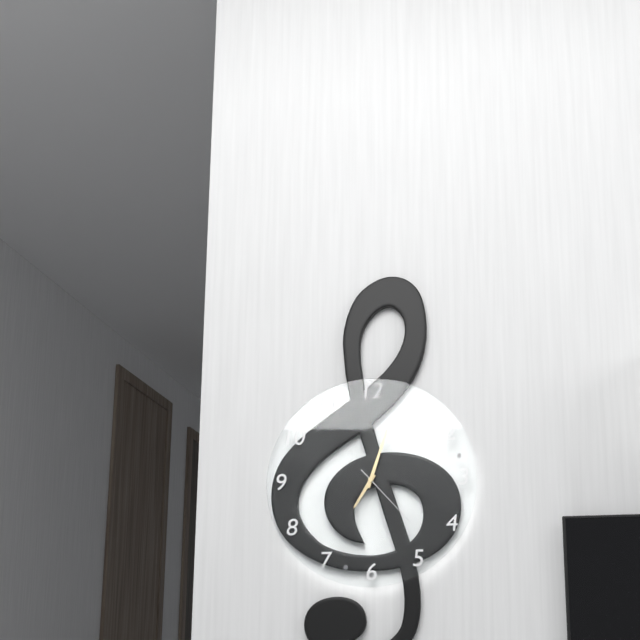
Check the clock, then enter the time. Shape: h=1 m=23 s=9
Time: h=7 m=3 s=23
